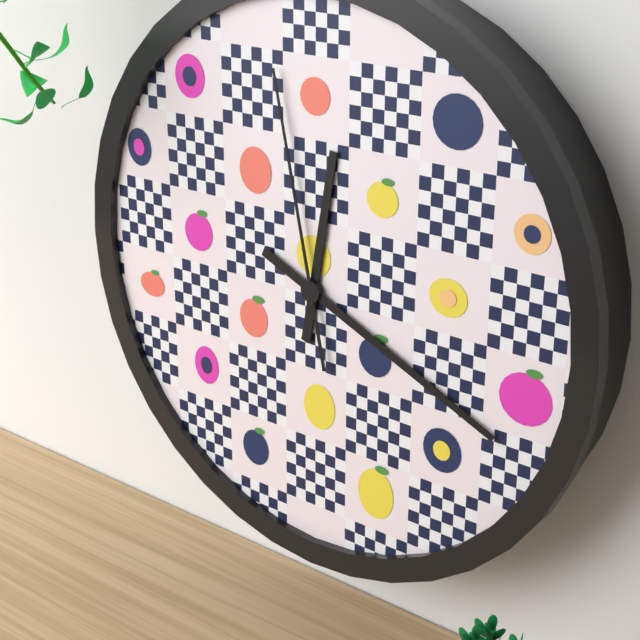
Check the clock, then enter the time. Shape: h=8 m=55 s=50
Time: h=12 m=19 s=58
